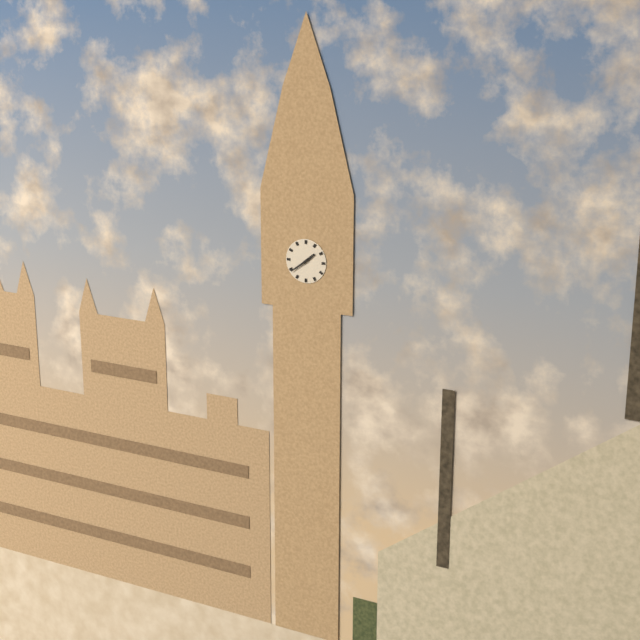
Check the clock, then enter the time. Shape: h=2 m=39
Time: h=1 m=39
